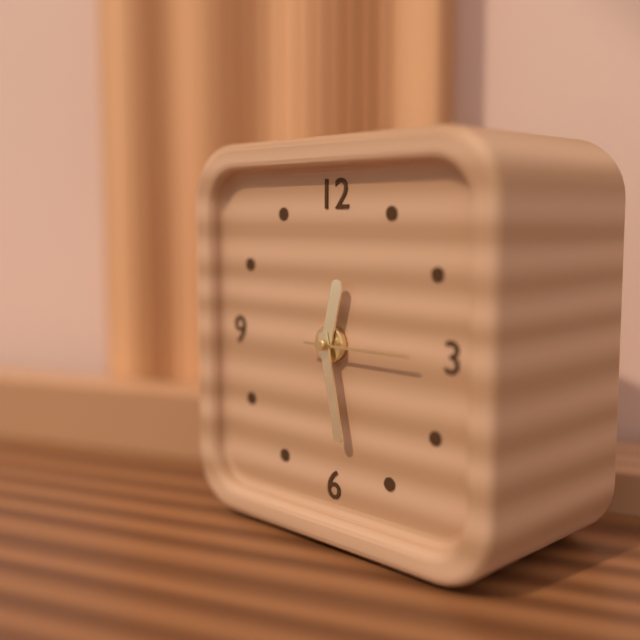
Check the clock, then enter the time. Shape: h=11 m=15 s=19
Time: h=12 m=28 s=15
